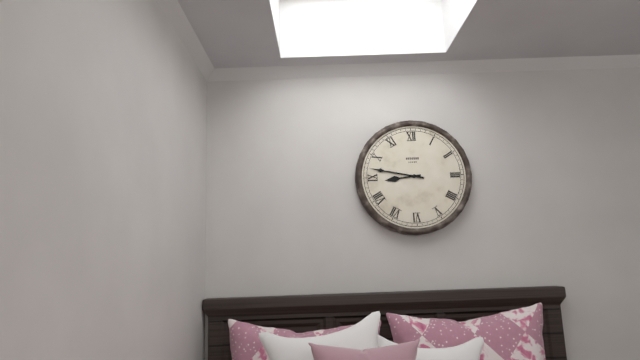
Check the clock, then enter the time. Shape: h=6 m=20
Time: h=8 m=47
